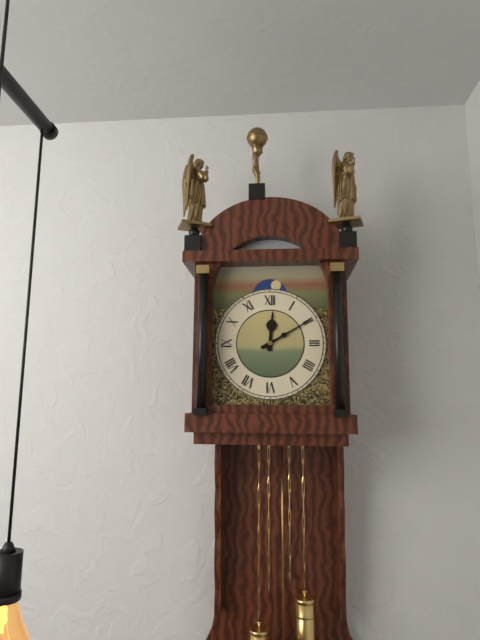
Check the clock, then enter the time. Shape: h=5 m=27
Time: h=12 m=10
